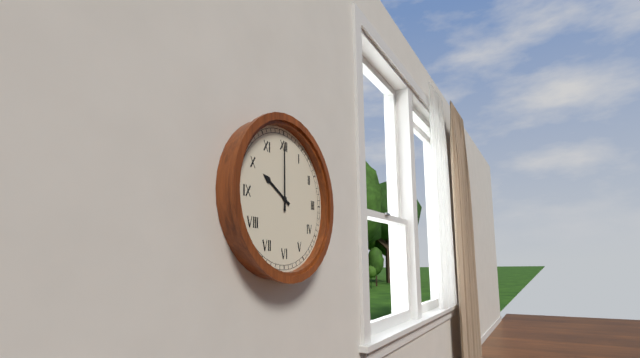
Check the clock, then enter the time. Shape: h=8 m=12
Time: h=10 m=0
